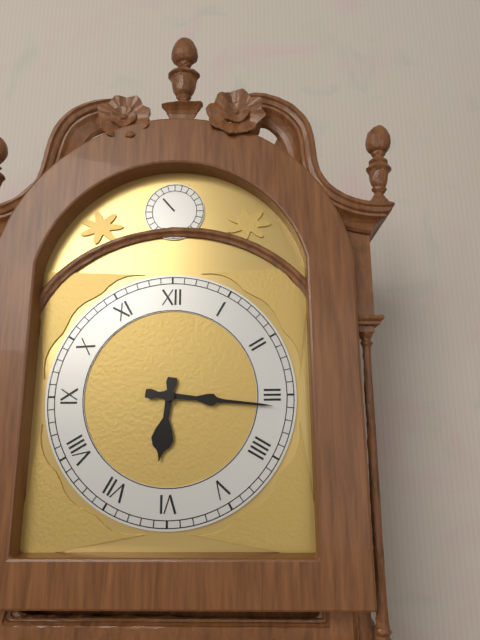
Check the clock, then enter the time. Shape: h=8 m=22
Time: h=6 m=16
